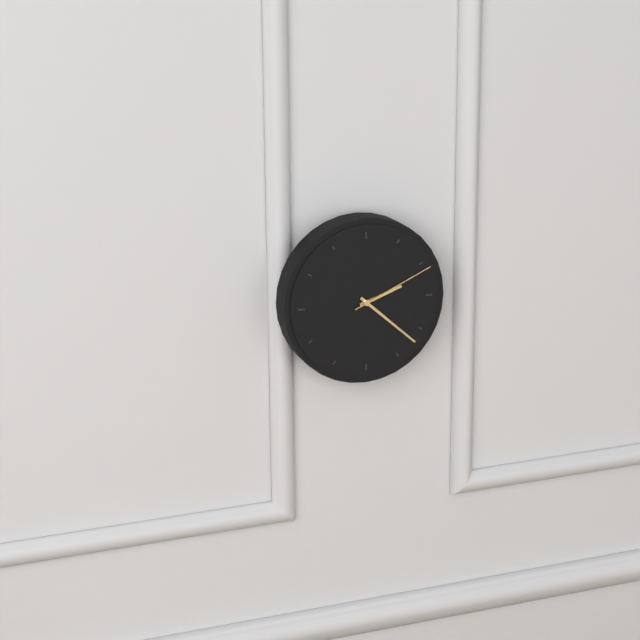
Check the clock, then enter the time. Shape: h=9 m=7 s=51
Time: h=2 m=22 s=11
